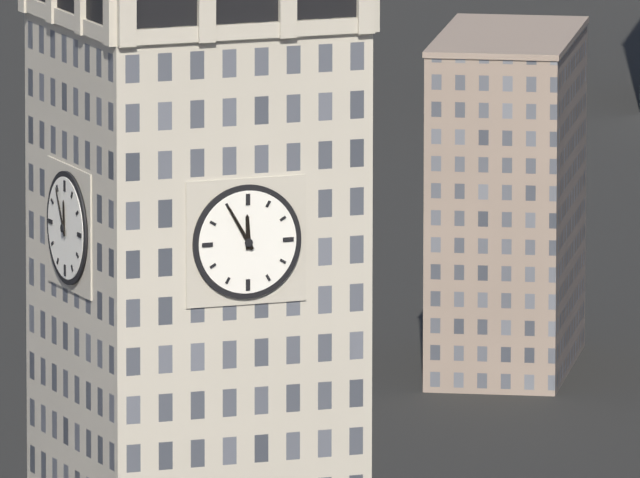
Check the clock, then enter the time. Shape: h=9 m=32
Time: h=11 m=55
